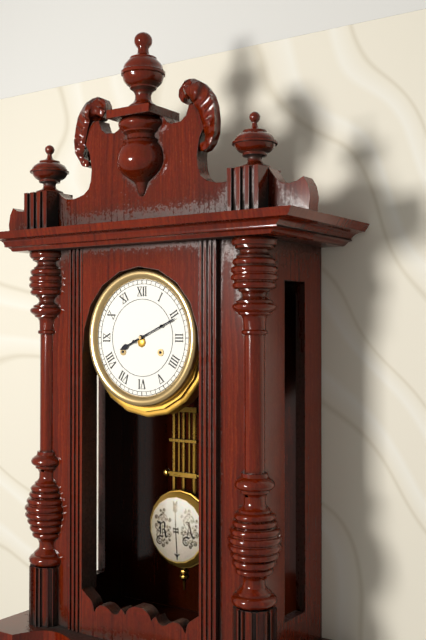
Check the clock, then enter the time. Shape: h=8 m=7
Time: h=8 m=11
